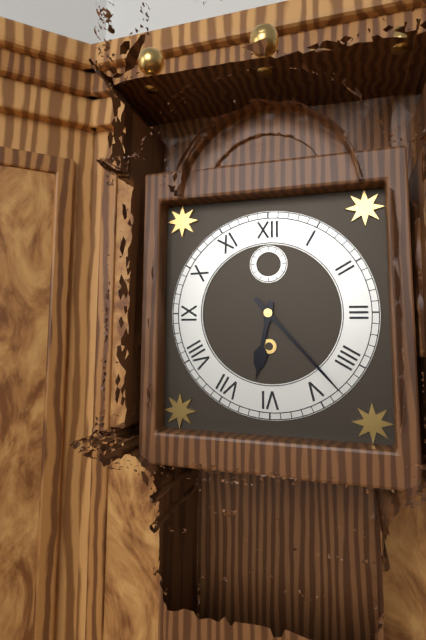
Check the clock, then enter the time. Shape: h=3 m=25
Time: h=6 m=23
